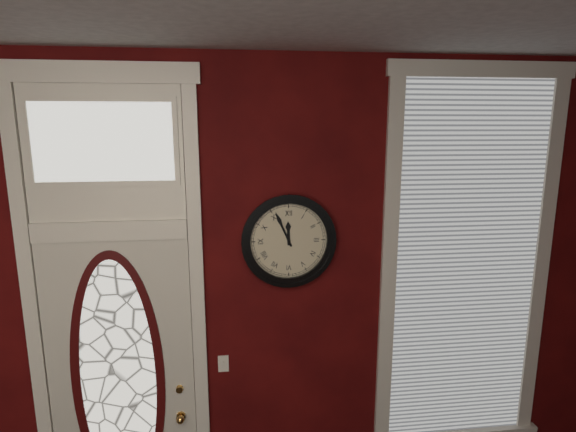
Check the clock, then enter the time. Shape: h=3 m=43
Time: h=11 m=56
